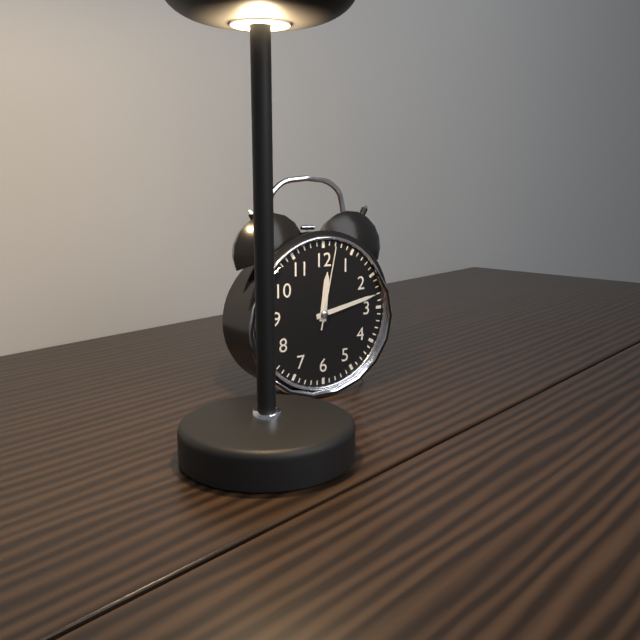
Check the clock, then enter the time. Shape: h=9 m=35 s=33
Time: h=12 m=13 s=2
